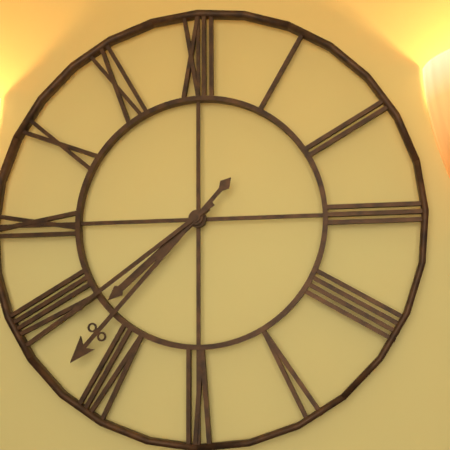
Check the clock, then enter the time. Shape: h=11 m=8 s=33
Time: h=7 m=37 s=39
